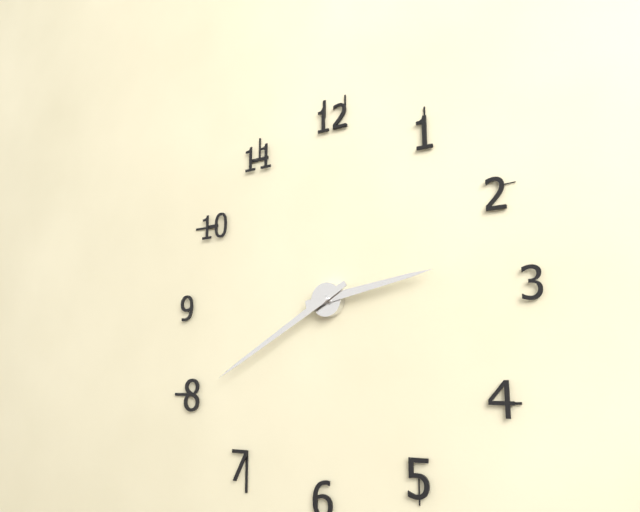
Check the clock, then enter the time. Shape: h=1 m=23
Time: h=2 m=40
